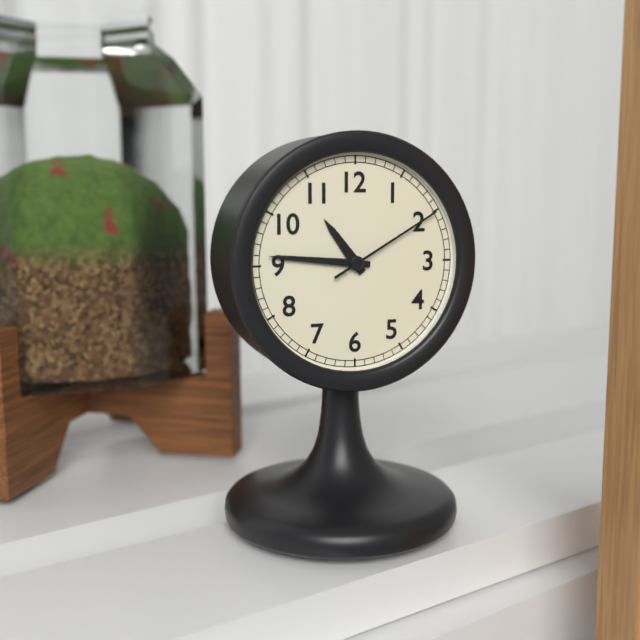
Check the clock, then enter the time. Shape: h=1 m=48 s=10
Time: h=10 m=46 s=10
